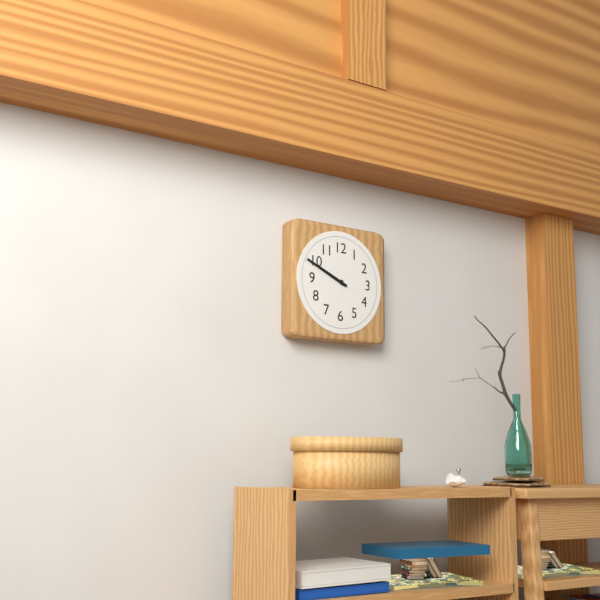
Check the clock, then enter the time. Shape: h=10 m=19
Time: h=9 m=49
